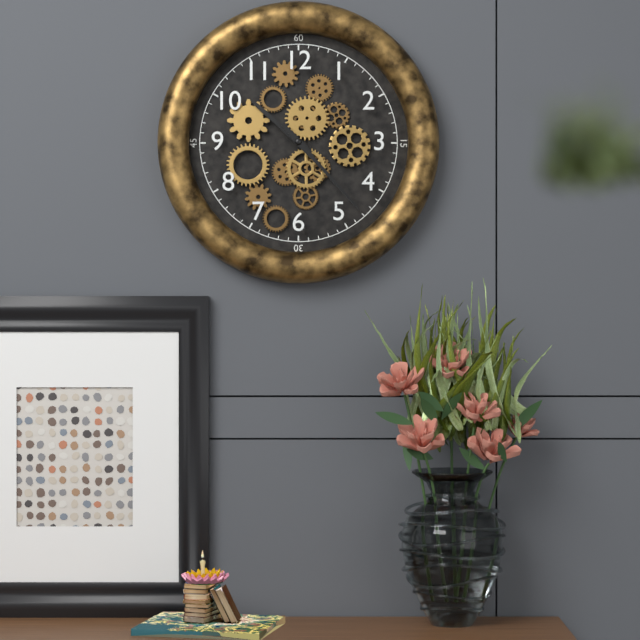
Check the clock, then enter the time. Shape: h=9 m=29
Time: h=10 m=23
